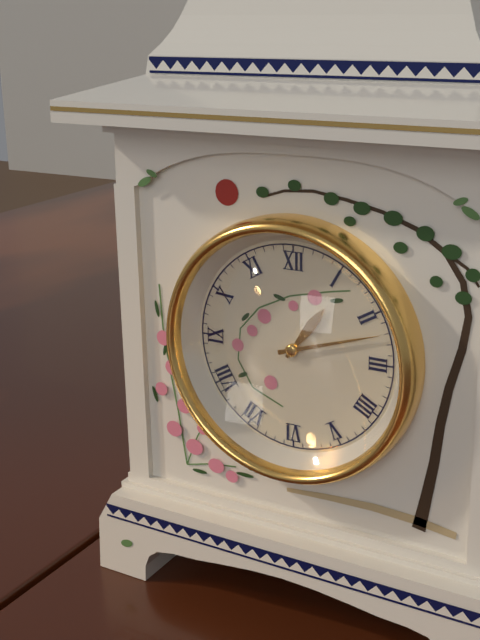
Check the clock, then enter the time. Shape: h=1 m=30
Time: h=1 m=12
